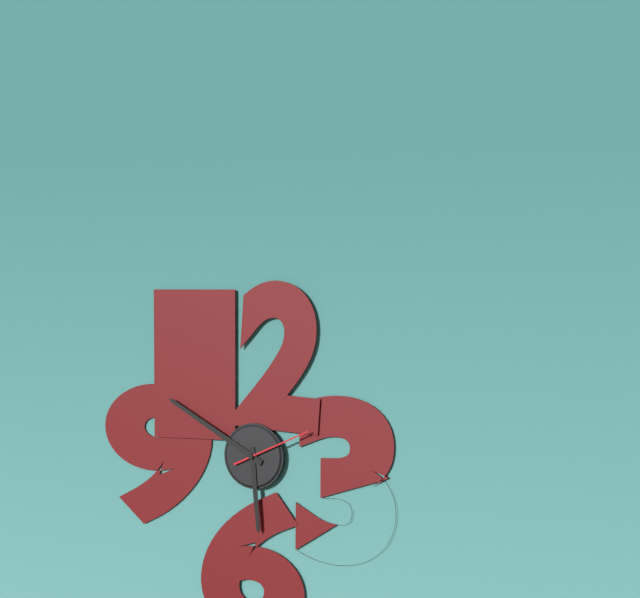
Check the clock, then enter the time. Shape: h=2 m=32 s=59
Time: h=5 m=50 s=11
